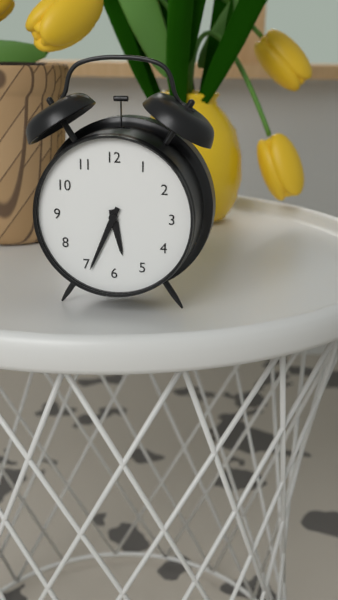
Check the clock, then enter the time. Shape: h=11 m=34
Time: h=5 m=34
